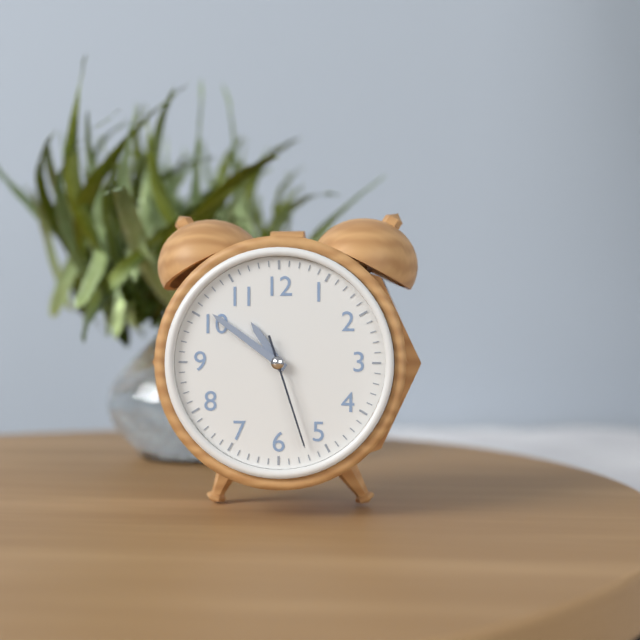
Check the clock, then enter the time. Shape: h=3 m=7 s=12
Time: h=10 m=51 s=27
